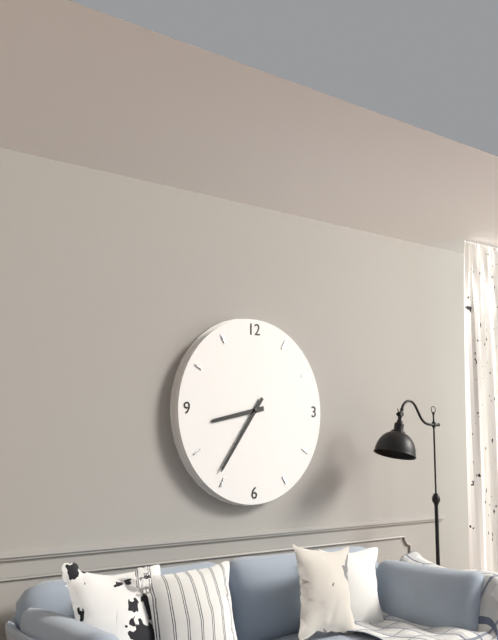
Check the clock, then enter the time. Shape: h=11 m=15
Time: h=8 m=36
